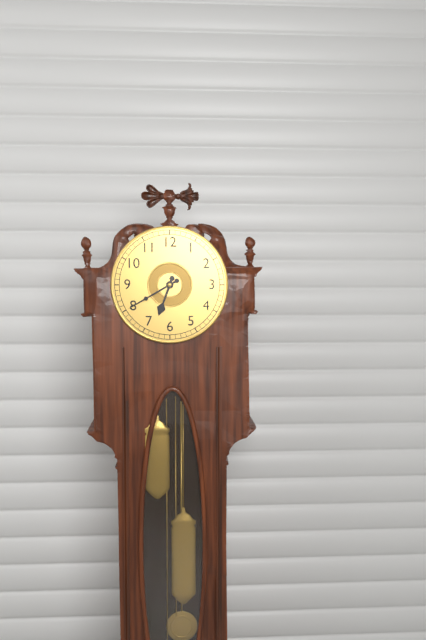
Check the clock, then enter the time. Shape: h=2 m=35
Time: h=6 m=40
